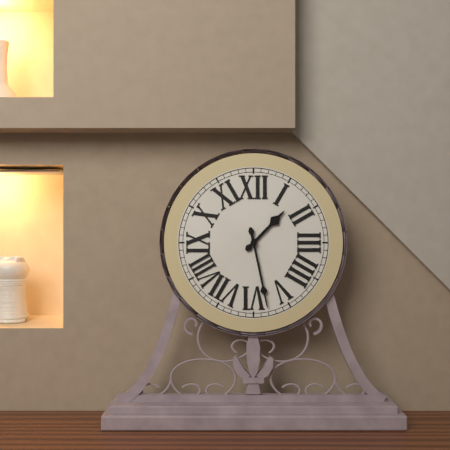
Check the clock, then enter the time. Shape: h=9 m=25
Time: h=1 m=28
